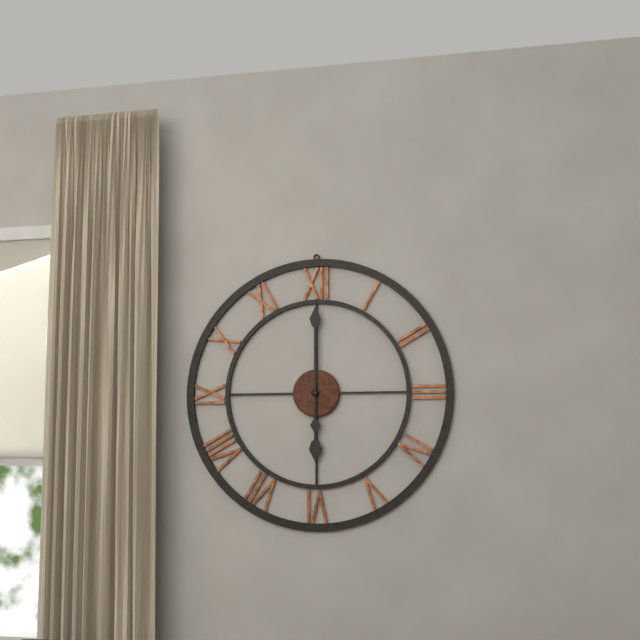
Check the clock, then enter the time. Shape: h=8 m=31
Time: h=6 m=0
